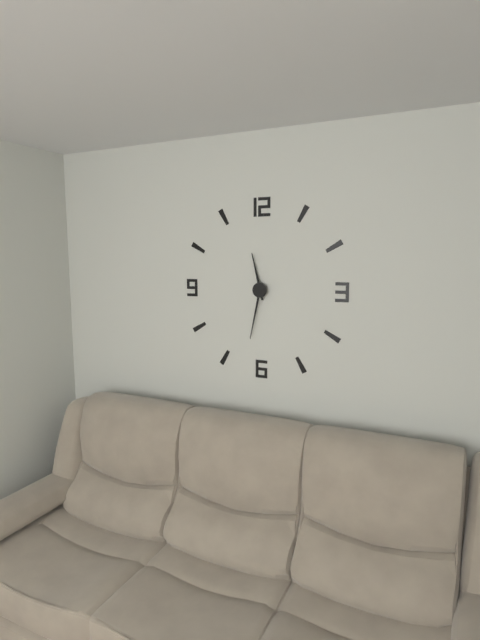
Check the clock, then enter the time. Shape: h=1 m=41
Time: h=11 m=32
